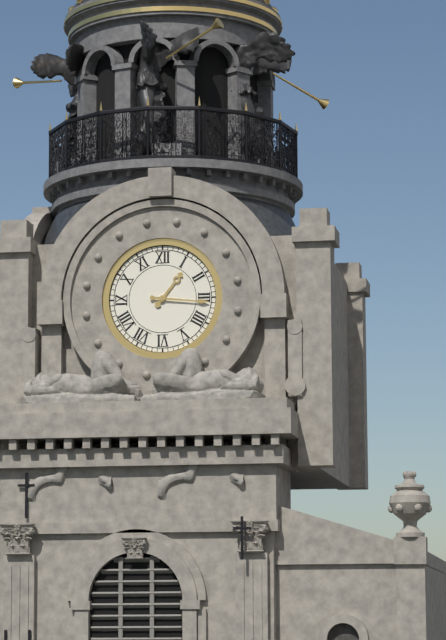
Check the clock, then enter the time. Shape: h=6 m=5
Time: h=1 m=16
